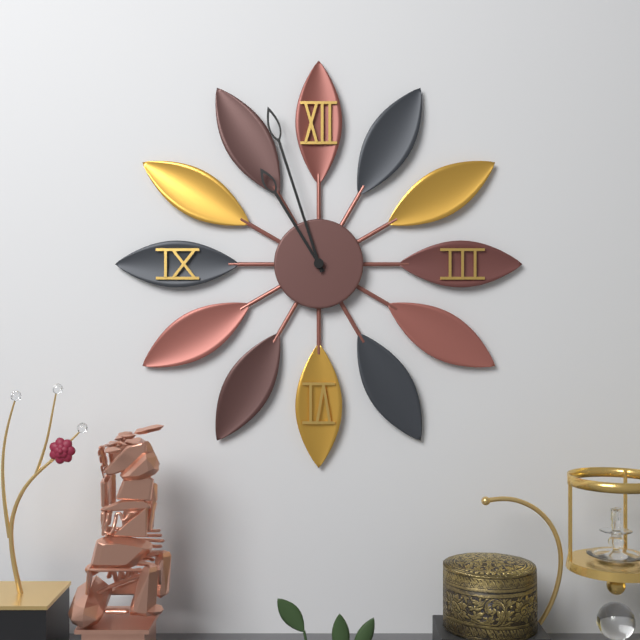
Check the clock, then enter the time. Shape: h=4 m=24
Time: h=10 m=57
